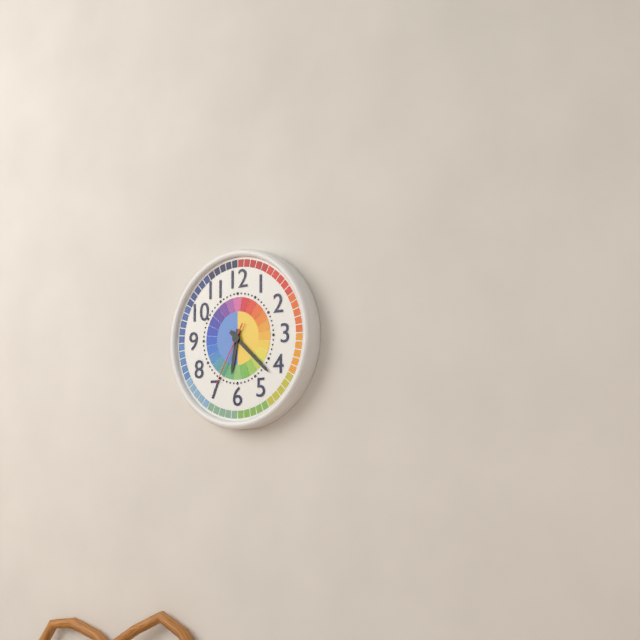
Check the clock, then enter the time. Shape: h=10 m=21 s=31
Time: h=6 m=22 s=35
